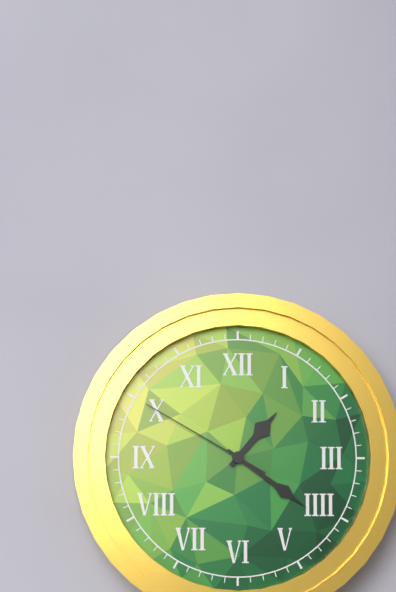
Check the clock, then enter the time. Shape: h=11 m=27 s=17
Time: h=1 m=21 s=50
